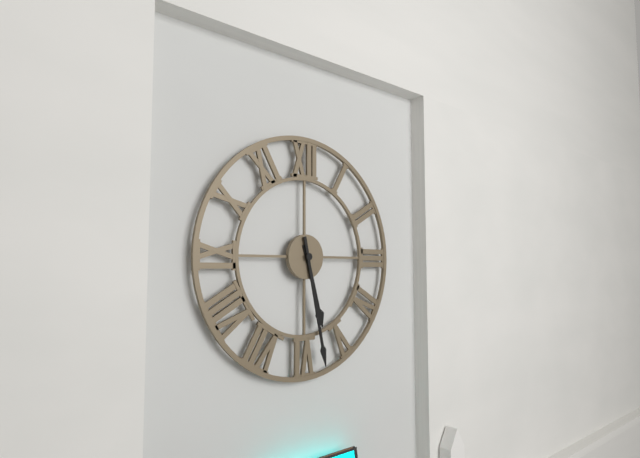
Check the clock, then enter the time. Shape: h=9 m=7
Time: h=5 m=28
